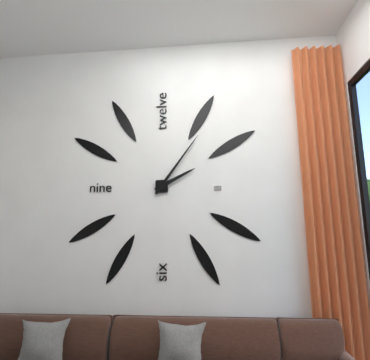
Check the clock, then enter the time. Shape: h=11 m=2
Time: h=2 m=6
